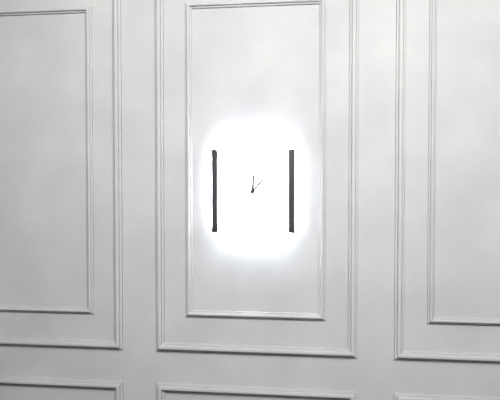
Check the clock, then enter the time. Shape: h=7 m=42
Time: h=12 m=7
